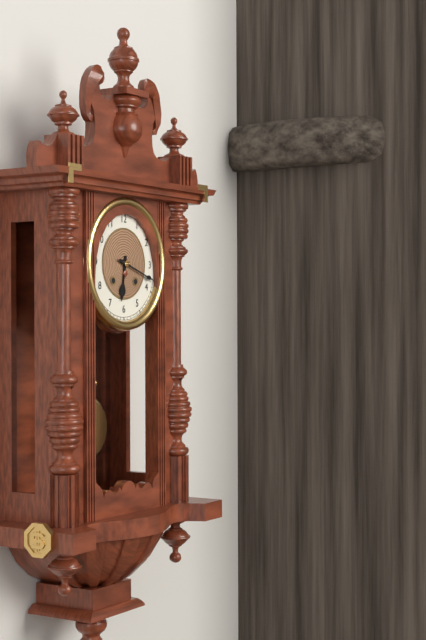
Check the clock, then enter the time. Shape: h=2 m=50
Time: h=6 m=18
